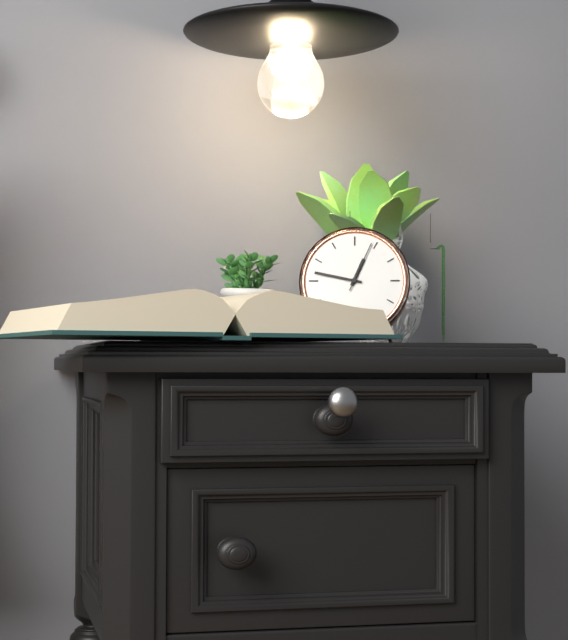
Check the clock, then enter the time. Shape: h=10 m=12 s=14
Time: h=12 m=47 s=4
